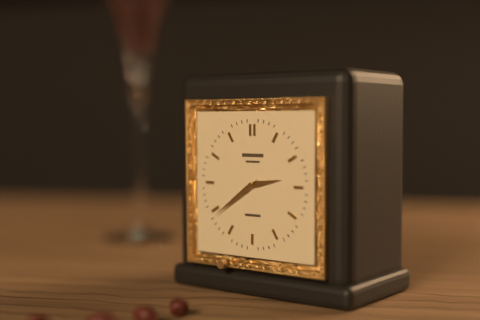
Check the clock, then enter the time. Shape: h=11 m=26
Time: h=2 m=39
